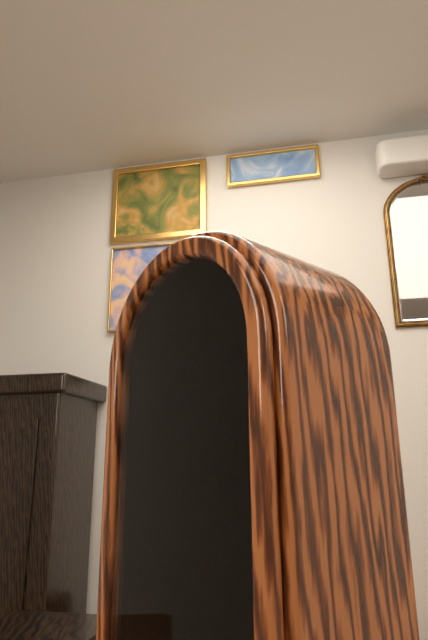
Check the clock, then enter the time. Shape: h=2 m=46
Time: h=11 m=23
